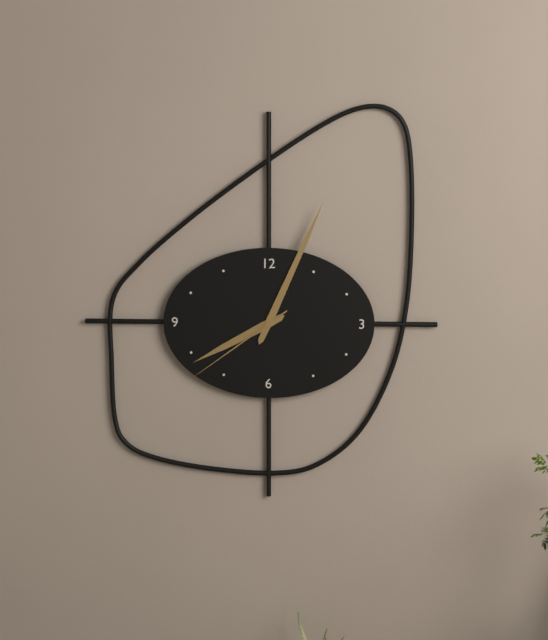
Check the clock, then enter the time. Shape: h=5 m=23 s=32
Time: h=8 m=4 s=39
